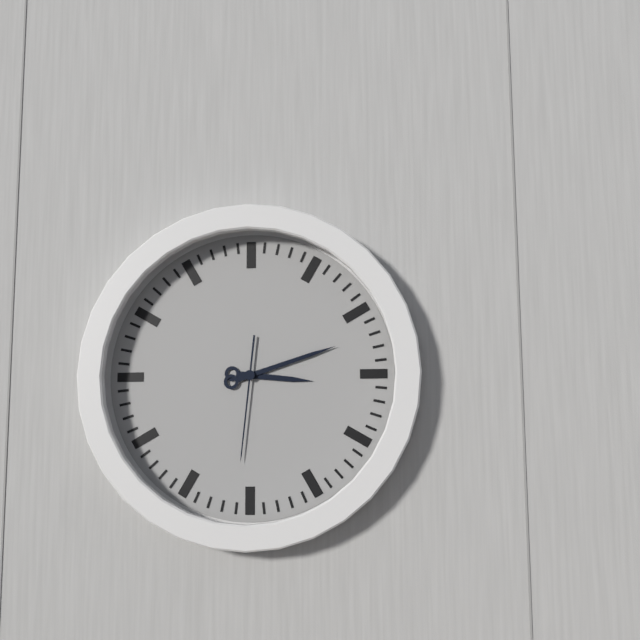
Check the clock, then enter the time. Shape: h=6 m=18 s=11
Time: h=3 m=12 s=31
